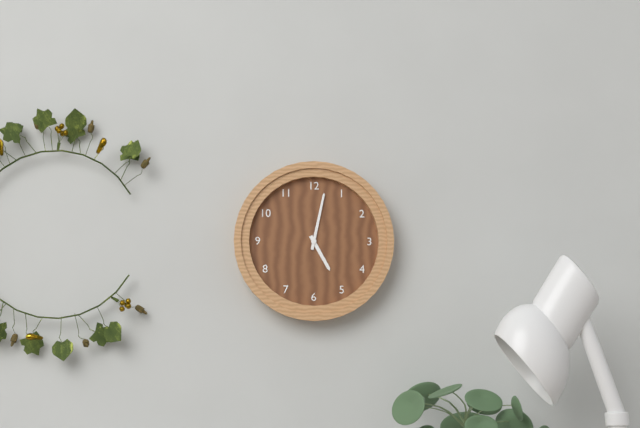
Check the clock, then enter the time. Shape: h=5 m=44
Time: h=5 m=2
